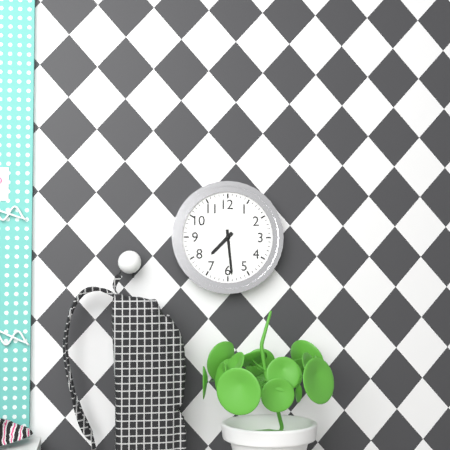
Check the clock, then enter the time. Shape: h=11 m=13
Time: h=7 m=29
